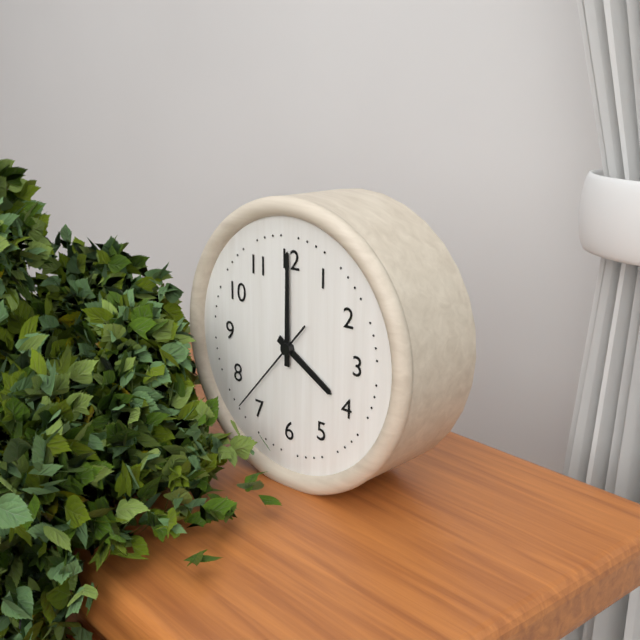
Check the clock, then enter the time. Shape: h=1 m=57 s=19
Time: h=4 m=0 s=37
